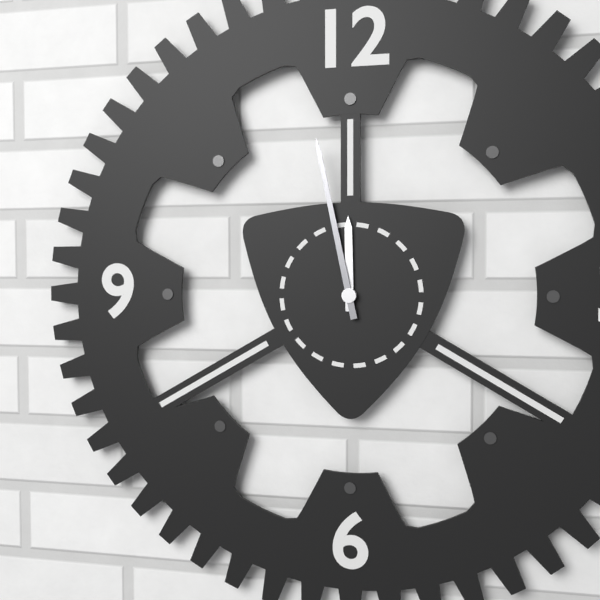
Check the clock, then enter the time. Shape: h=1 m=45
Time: h=11 m=58
